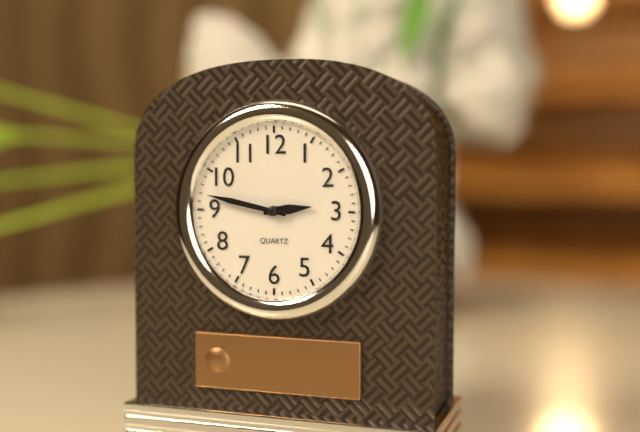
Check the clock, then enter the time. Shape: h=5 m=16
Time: h=2 m=47
